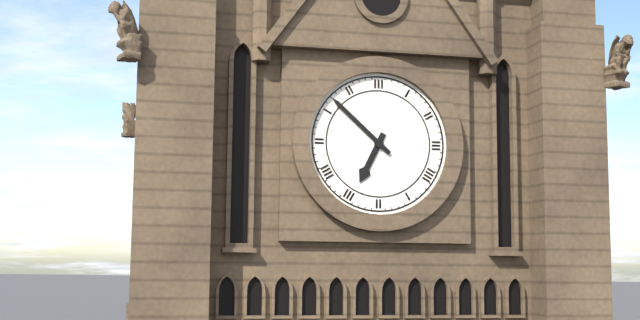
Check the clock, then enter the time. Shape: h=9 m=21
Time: h=6 m=52
